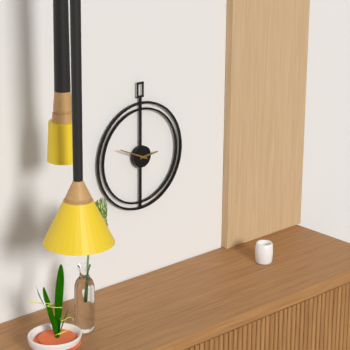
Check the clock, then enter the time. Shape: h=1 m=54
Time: h=2 m=49
